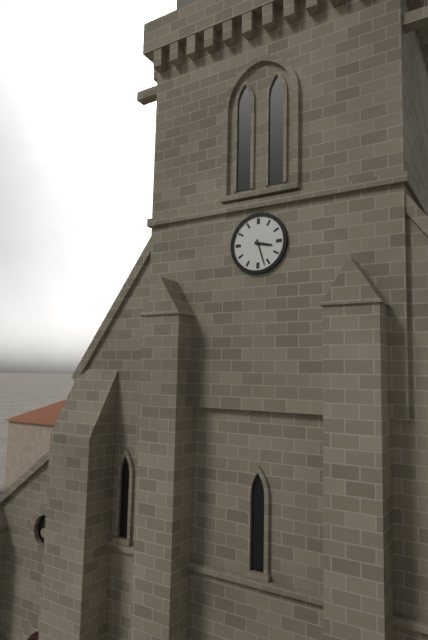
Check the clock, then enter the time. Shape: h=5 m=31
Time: h=3 m=27
